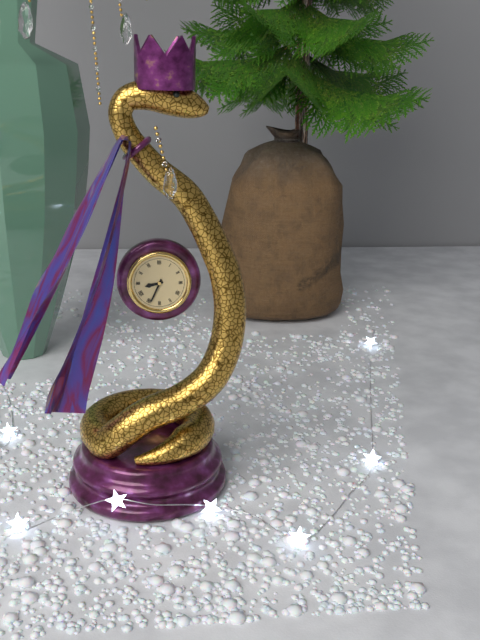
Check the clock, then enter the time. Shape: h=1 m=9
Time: h=8 m=34
